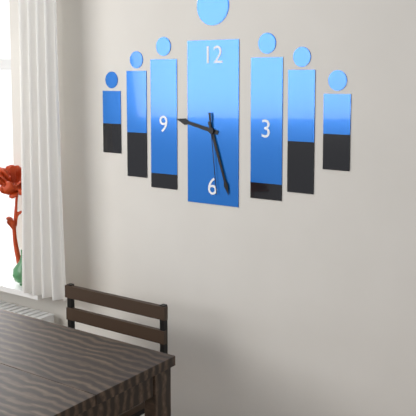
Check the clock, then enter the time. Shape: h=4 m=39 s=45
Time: h=9 m=27 s=29
